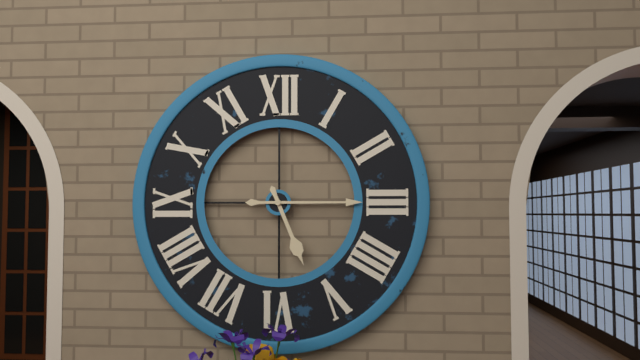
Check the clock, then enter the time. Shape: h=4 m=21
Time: h=5 m=15
